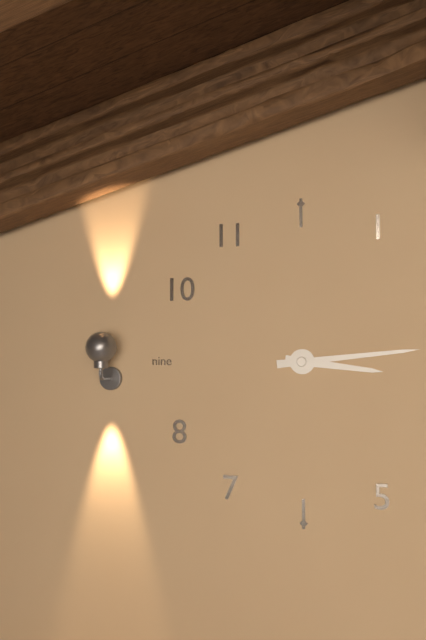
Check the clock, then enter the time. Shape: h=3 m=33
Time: h=3 m=14
